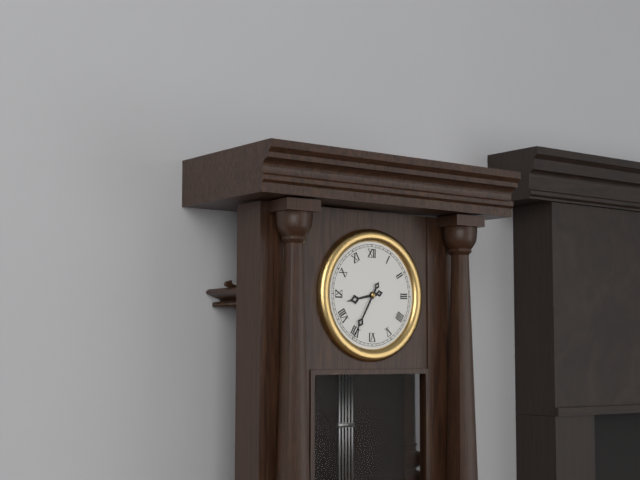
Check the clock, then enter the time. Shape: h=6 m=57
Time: h=8 m=35
